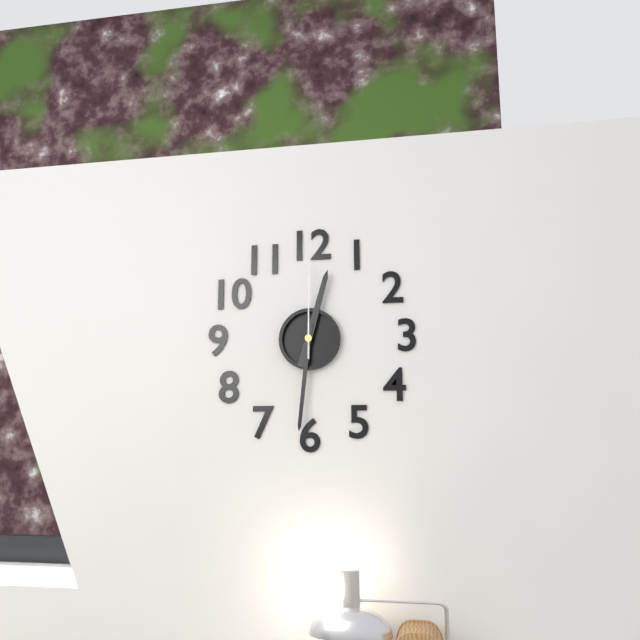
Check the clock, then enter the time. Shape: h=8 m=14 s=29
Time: h=12 m=31 s=0
